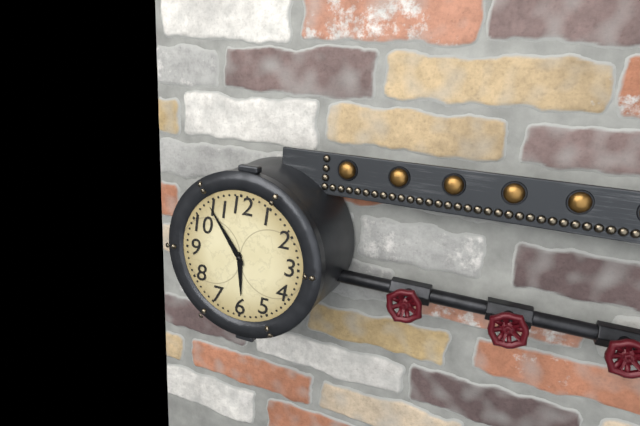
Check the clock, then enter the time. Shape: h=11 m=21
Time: h=5 m=54
